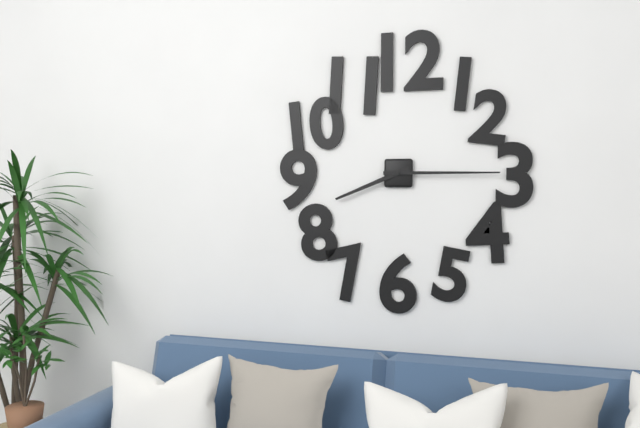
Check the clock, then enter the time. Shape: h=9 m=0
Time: h=8 m=15
